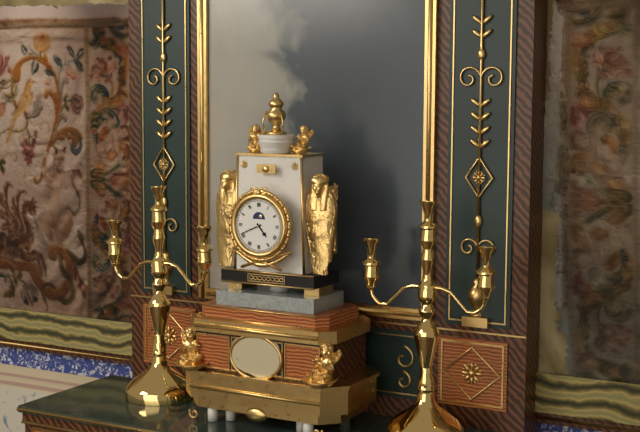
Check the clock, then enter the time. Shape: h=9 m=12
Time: h=4 m=41
